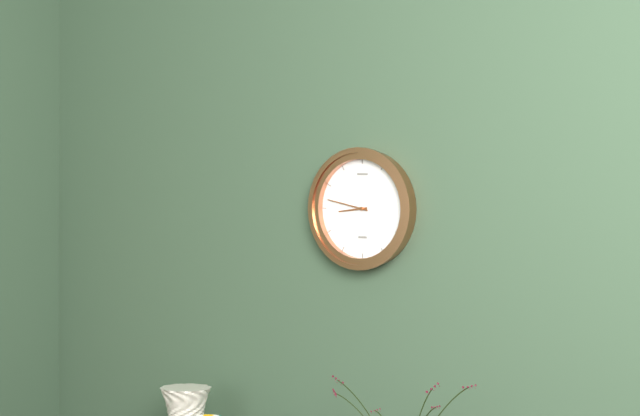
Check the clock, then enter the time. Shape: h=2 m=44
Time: h=8 m=47
